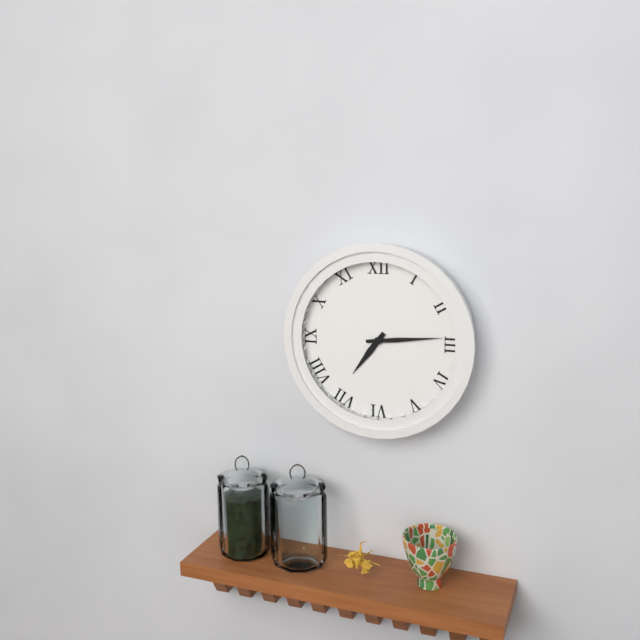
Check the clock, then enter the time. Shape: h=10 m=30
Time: h=7 m=14
